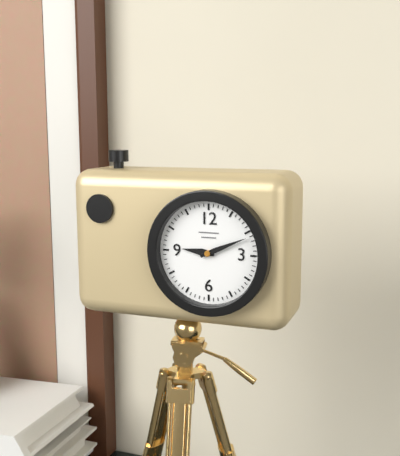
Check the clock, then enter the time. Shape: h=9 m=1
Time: h=9 m=11
